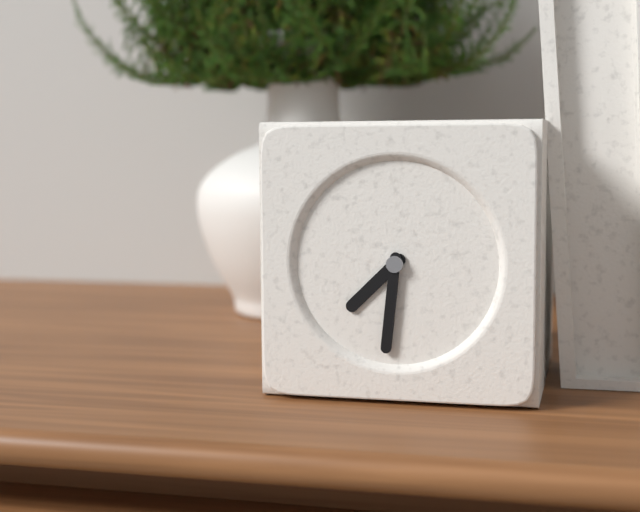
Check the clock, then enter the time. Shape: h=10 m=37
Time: h=7 m=31
